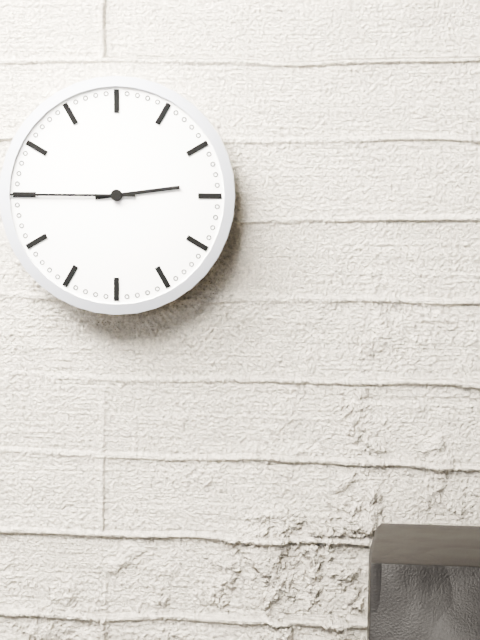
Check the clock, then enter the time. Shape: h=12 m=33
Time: h=2 m=45
